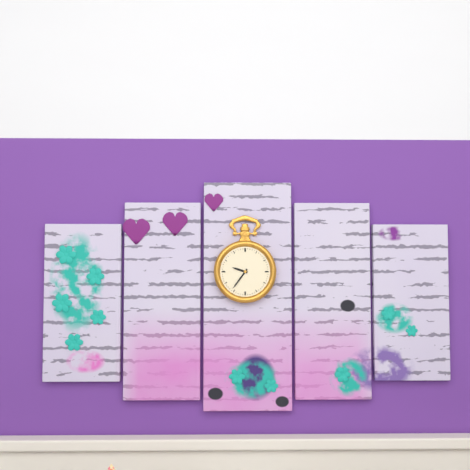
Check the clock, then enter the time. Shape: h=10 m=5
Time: h=9 m=36
